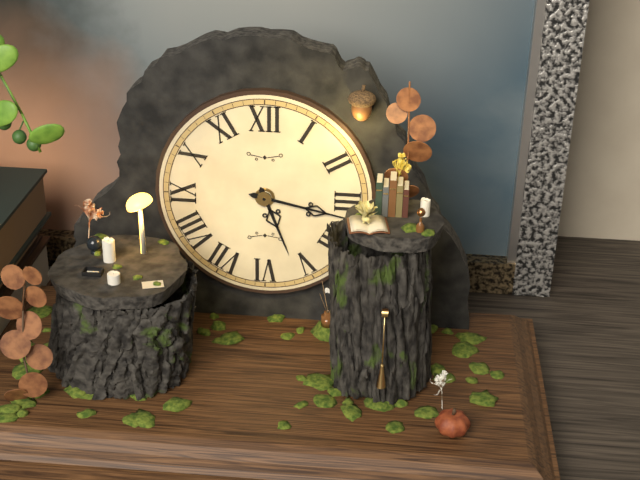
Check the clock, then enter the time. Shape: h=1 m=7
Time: h=5 m=17
